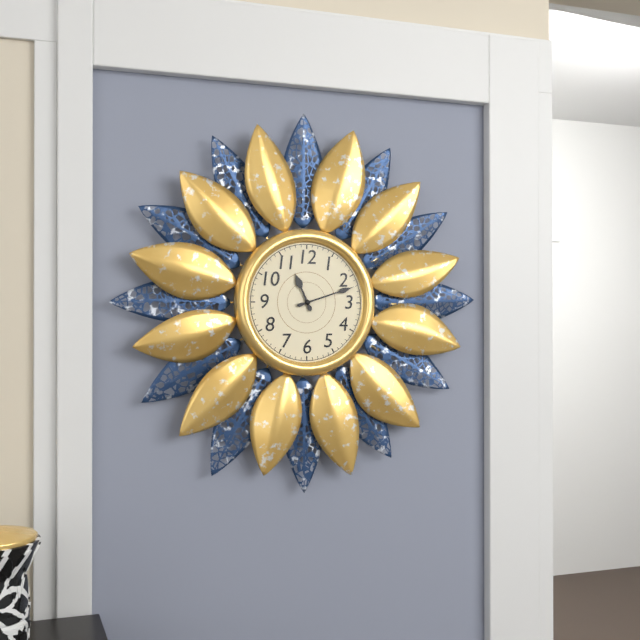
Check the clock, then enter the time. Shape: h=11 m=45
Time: h=11 m=12
